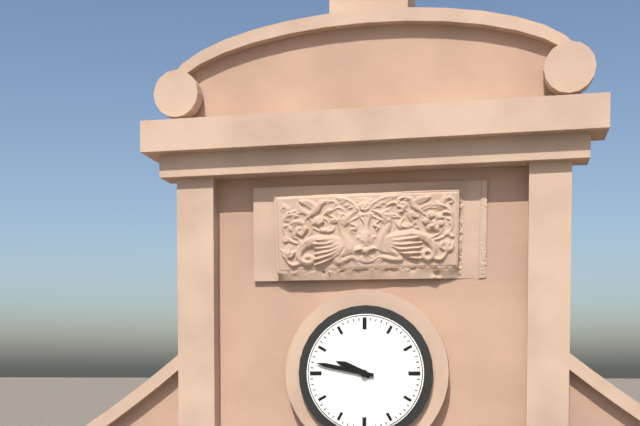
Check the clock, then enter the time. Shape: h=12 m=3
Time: h=9 m=47
